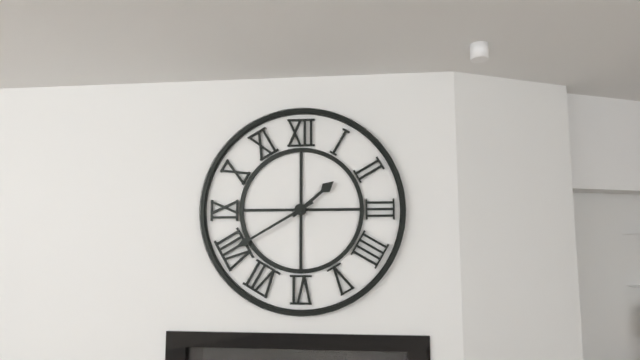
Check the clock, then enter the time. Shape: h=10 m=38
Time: h=1 m=40
